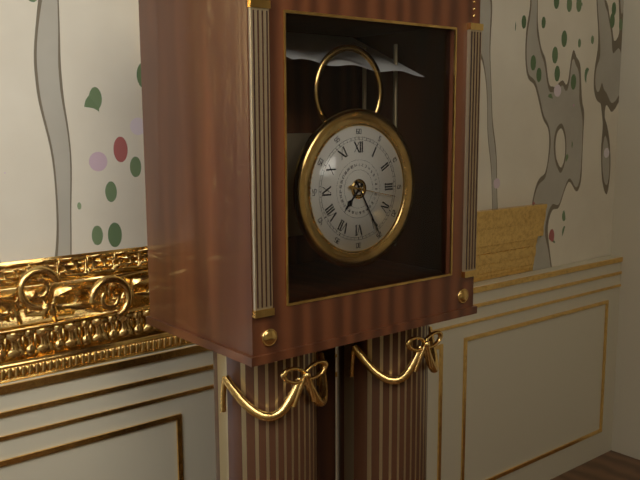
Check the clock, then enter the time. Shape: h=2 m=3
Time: h=7 m=25
